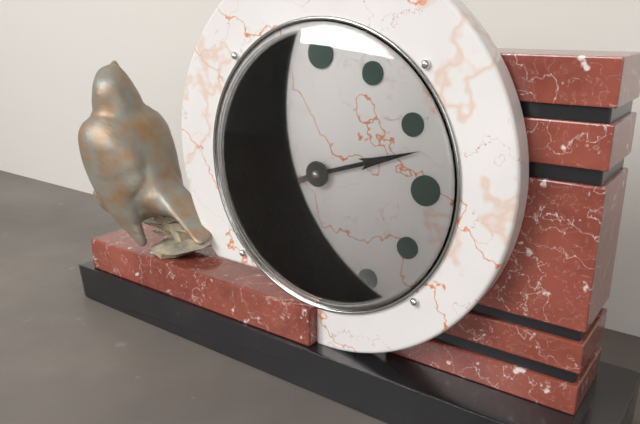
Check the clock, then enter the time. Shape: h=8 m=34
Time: h=8 m=12
